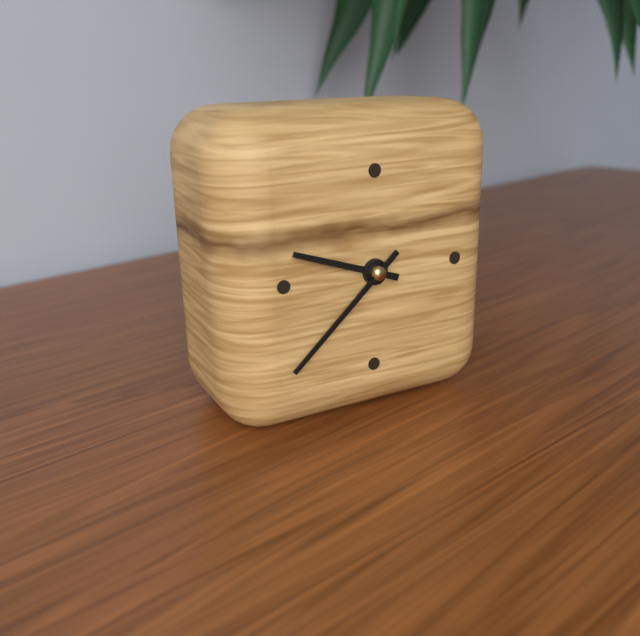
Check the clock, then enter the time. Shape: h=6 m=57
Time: h=9 m=38
